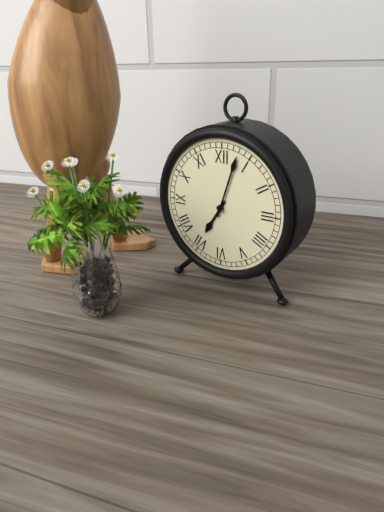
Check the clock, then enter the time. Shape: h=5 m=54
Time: h=7 m=3
